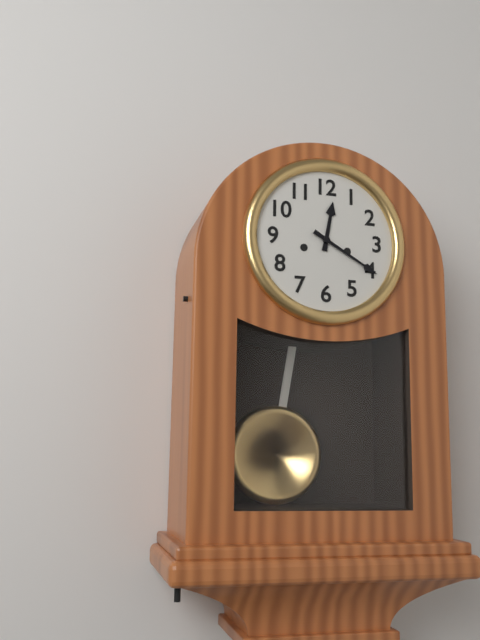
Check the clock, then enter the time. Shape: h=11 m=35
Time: h=12 m=20
